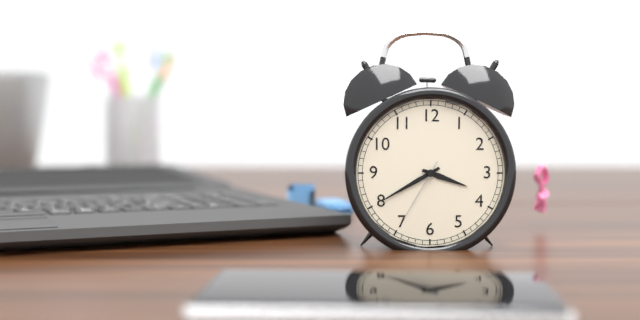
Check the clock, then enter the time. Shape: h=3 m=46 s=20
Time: h=3 m=40 s=35
